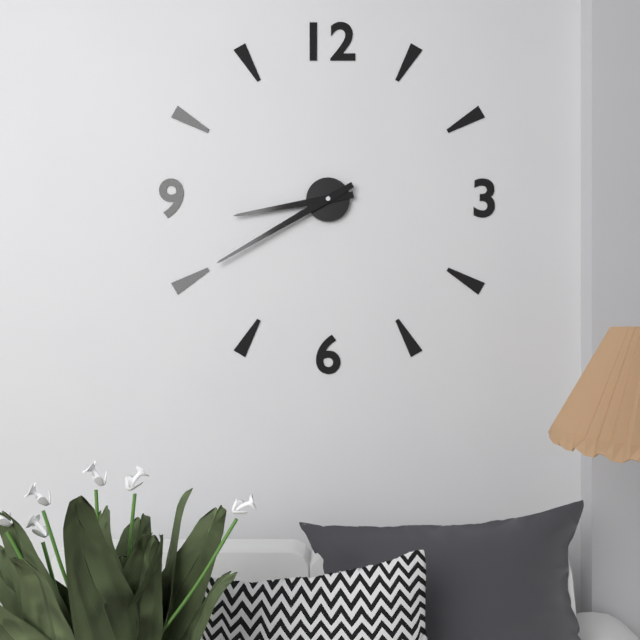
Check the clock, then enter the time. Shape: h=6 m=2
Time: h=8 m=40
